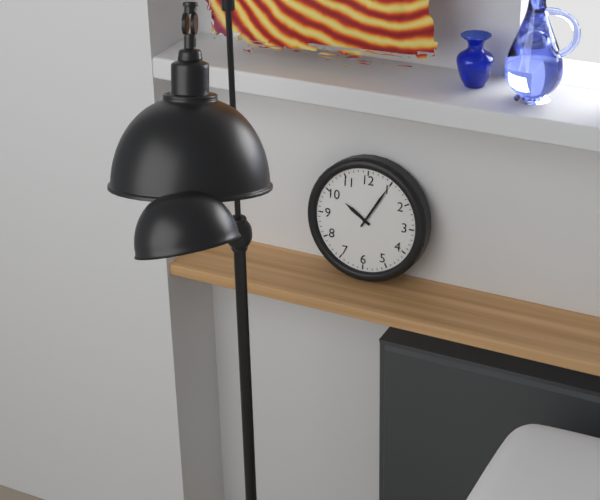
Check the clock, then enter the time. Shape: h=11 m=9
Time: h=10 m=5
